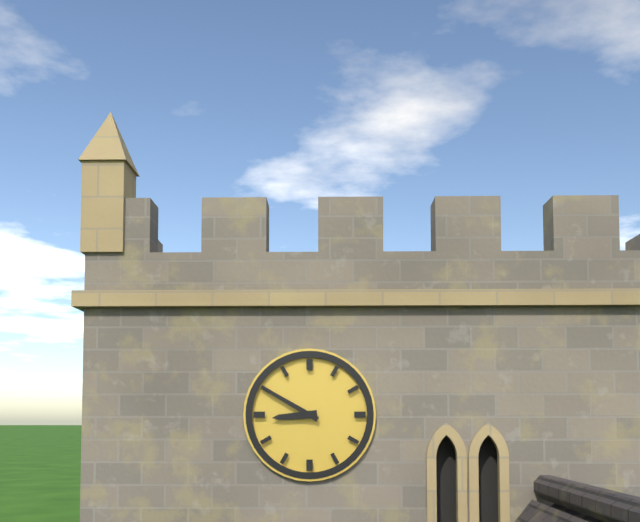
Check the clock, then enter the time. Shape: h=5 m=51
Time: h=8 m=50
